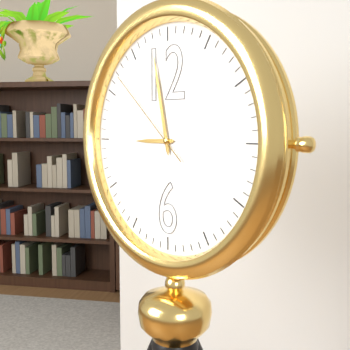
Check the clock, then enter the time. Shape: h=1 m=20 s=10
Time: h=8 m=58 s=52
